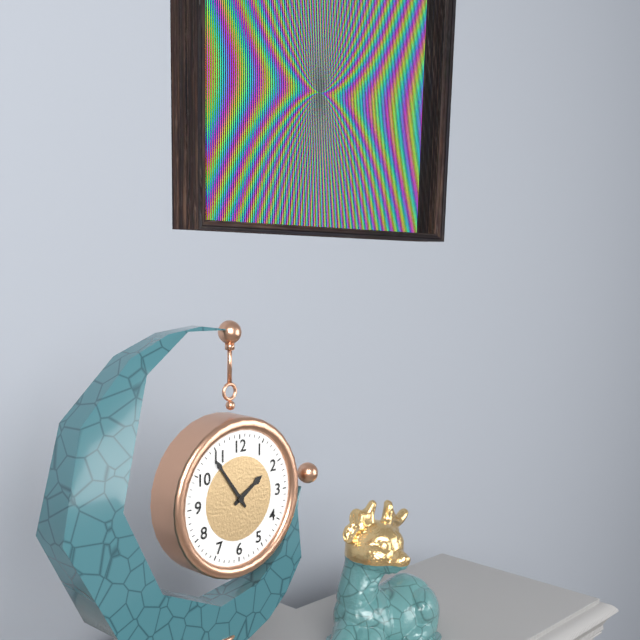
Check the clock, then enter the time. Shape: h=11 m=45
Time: h=1 m=54
